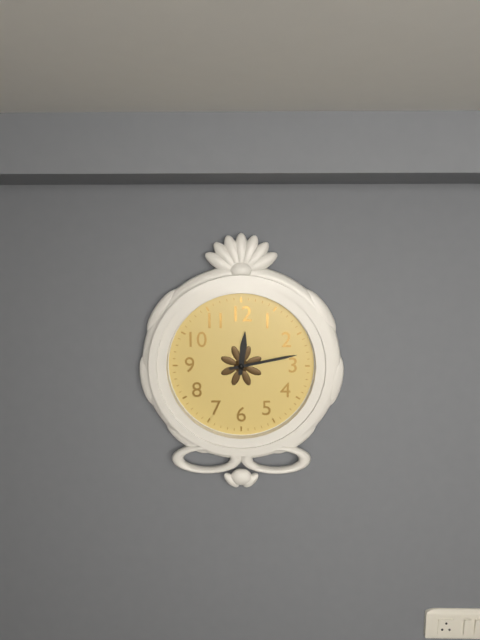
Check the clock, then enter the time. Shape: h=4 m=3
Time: h=12 m=13
